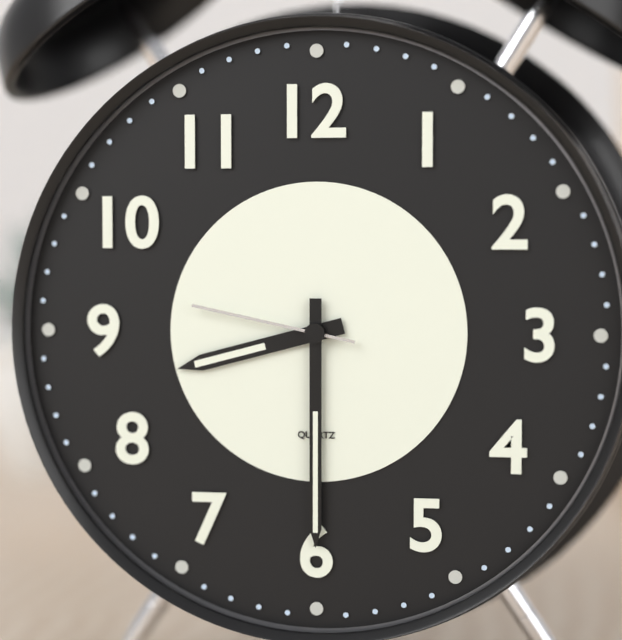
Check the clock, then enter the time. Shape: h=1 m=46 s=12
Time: h=8 m=30 s=47
